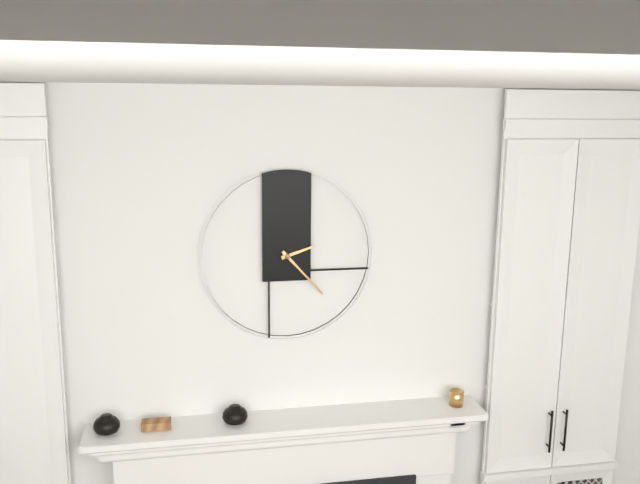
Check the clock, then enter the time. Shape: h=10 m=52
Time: h=2 m=23
